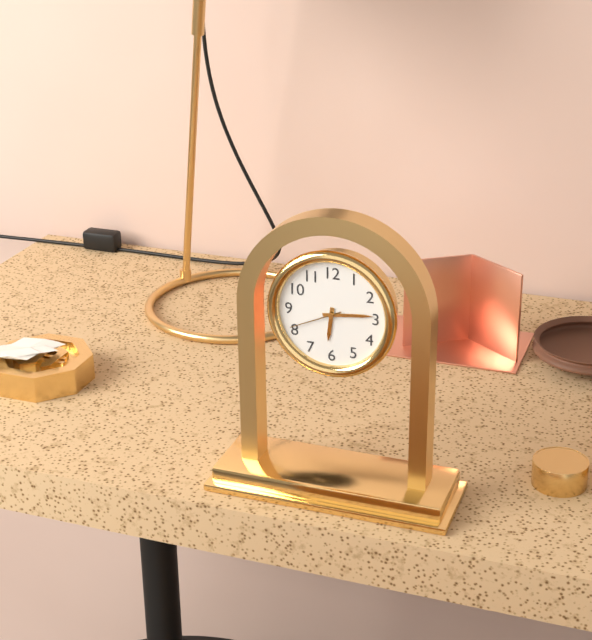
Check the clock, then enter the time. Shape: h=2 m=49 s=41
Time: h=6 m=14 s=41
